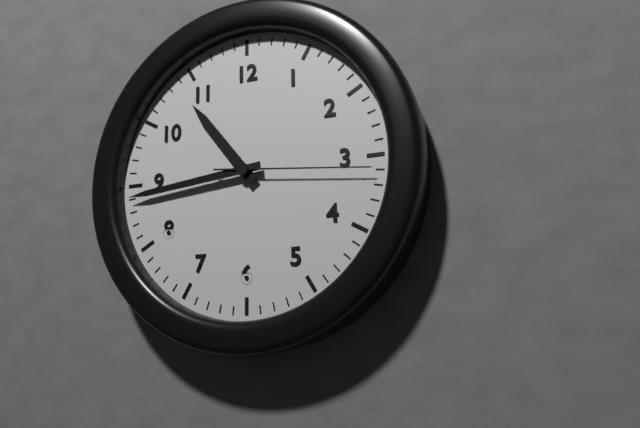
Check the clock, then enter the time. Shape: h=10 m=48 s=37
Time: h=10 m=44 s=16
